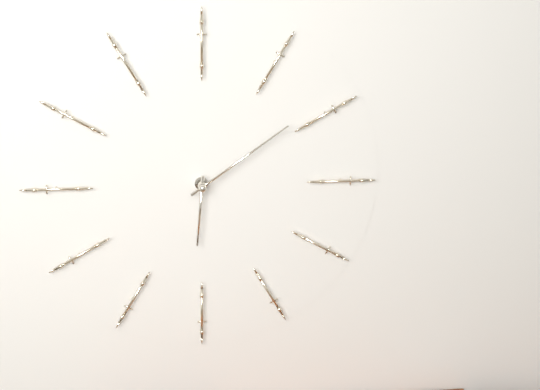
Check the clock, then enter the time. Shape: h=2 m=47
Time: h=6 m=9
